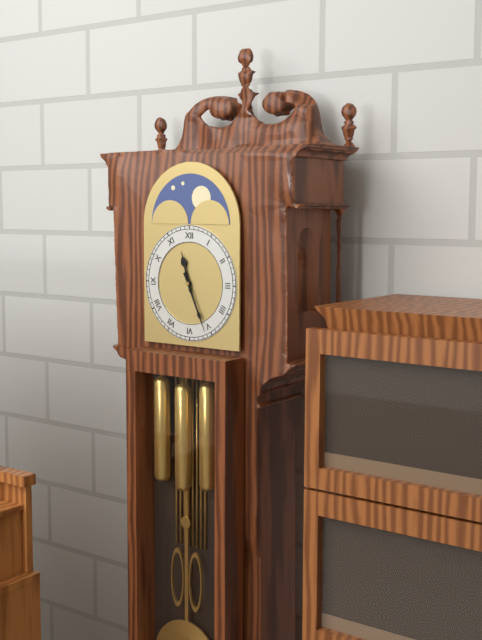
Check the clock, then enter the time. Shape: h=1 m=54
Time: h=11 m=26
